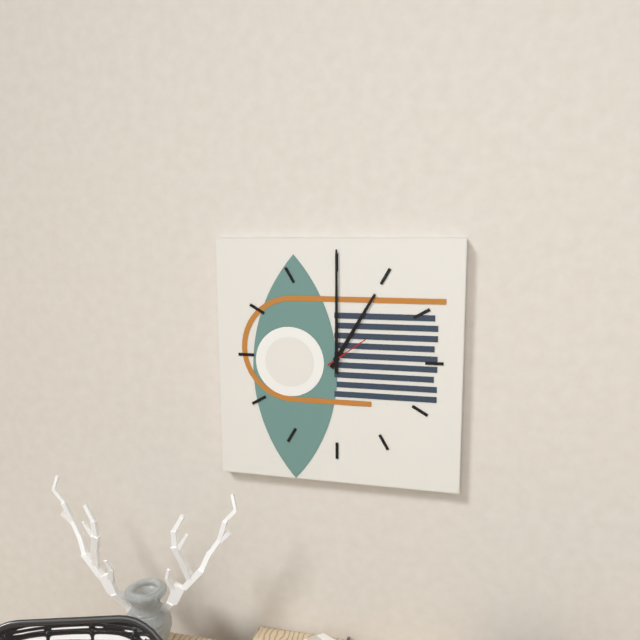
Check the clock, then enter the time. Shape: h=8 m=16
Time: h=1 m=0
